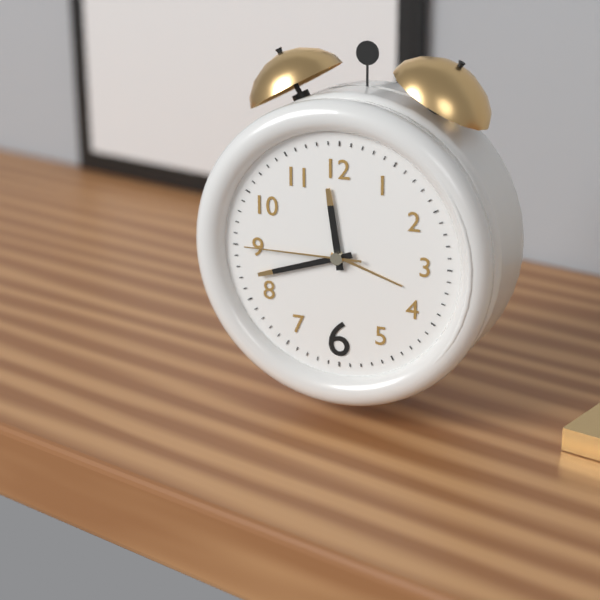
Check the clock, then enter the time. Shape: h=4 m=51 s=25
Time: h=11 m=42 s=45
